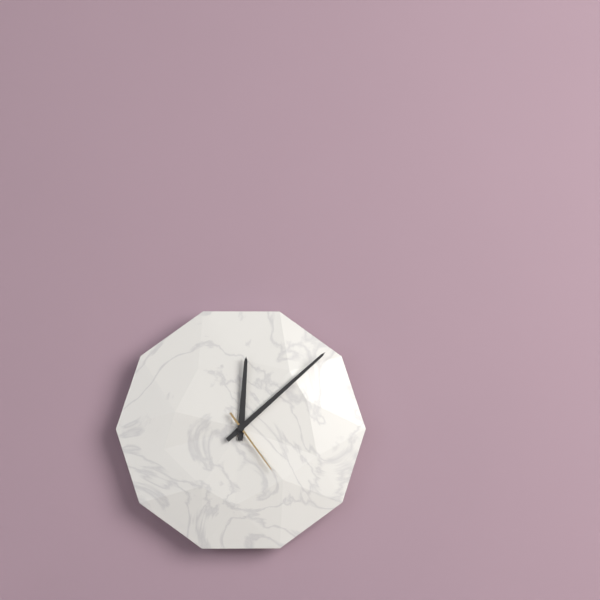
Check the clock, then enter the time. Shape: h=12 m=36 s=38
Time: h=12 m=8 s=24
